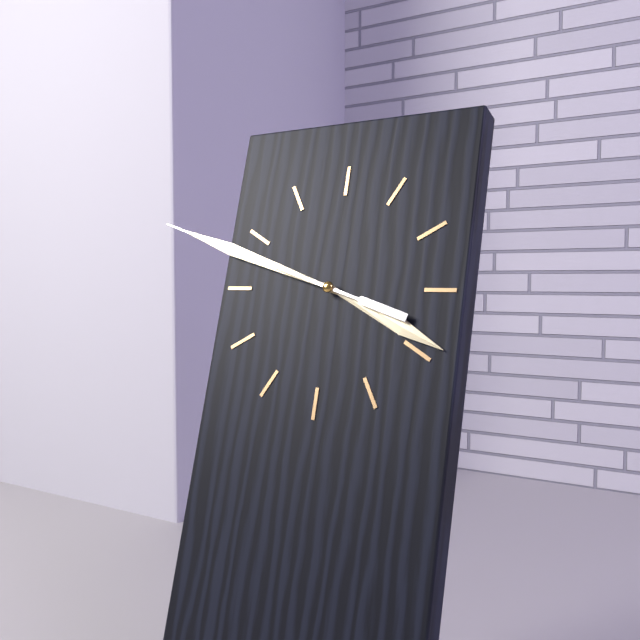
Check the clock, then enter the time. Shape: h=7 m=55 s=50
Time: h=3 m=48 s=48
